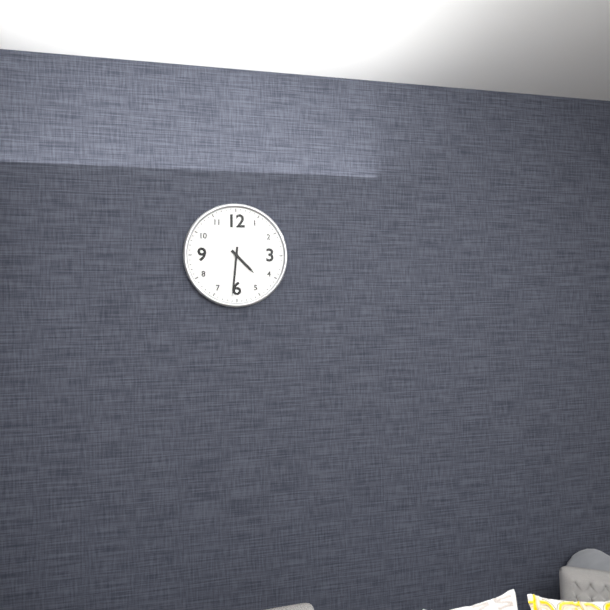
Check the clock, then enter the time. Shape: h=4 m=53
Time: h=4 m=31
